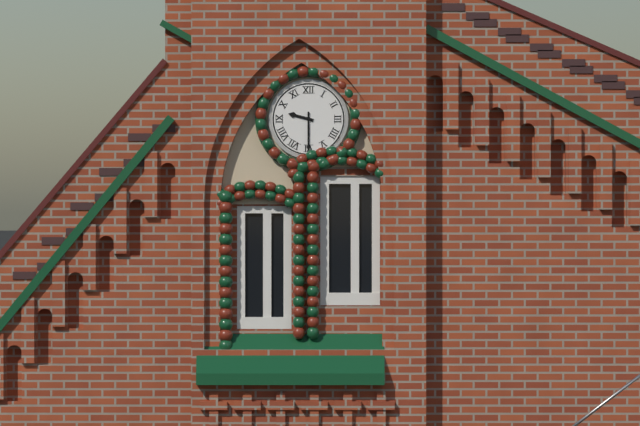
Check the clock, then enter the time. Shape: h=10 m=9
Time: h=9 m=30
